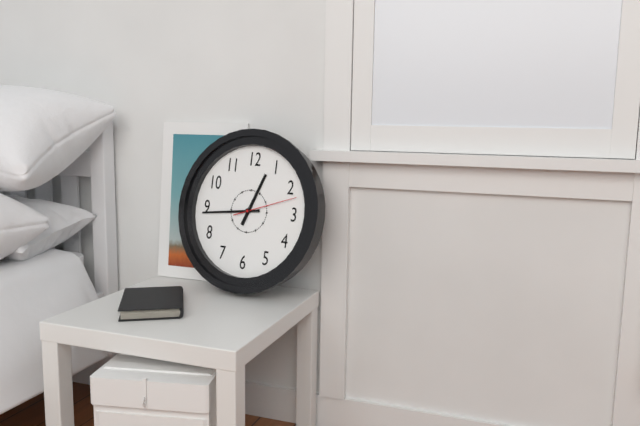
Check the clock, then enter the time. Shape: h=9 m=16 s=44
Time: h=12 m=44 s=12
